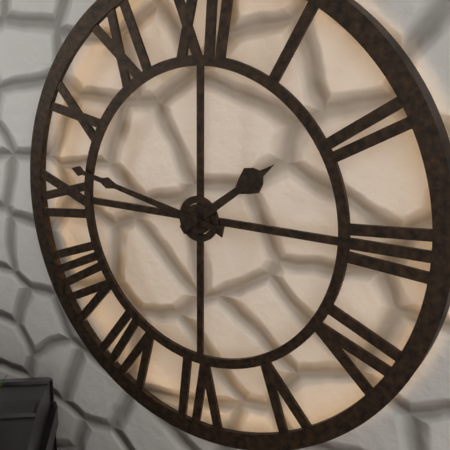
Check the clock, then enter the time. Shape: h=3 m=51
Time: h=1 m=47
